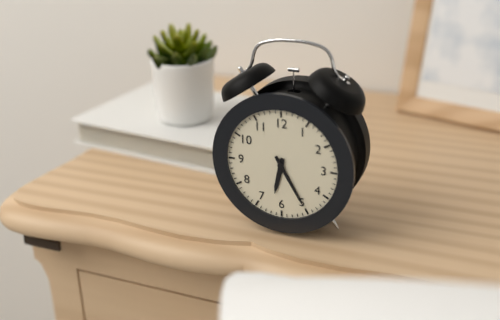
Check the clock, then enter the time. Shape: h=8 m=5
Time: h=6 m=25
